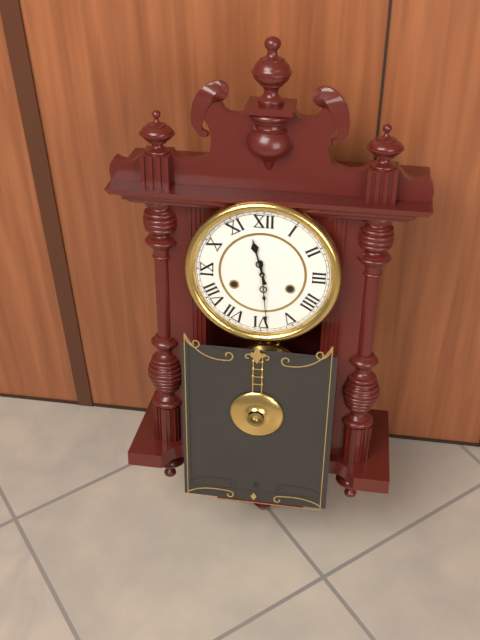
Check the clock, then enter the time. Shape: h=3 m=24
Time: h=11 m=29
